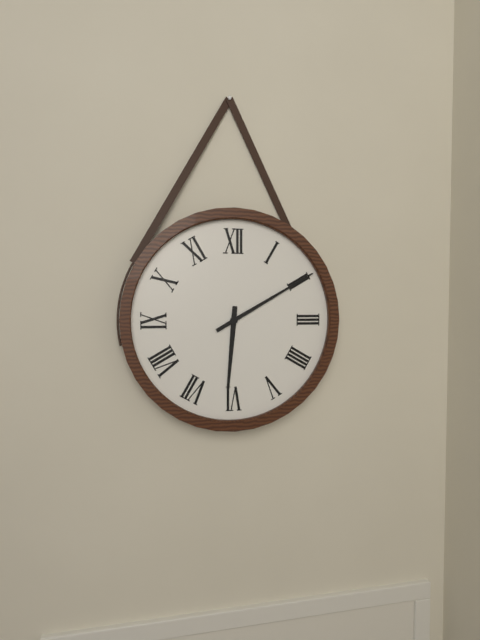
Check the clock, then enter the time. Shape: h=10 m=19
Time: h=6 m=10
